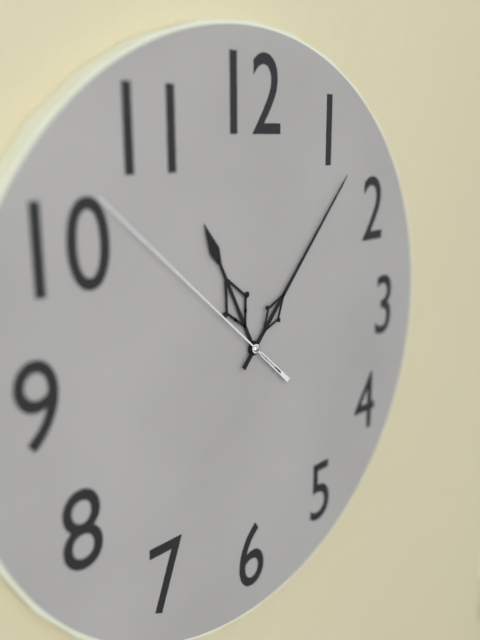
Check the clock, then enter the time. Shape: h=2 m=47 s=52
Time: h=11 m=7 s=52
